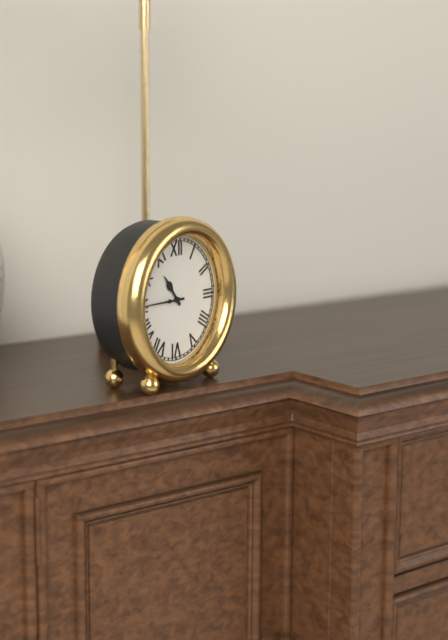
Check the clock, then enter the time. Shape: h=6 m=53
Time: h=10 m=45
